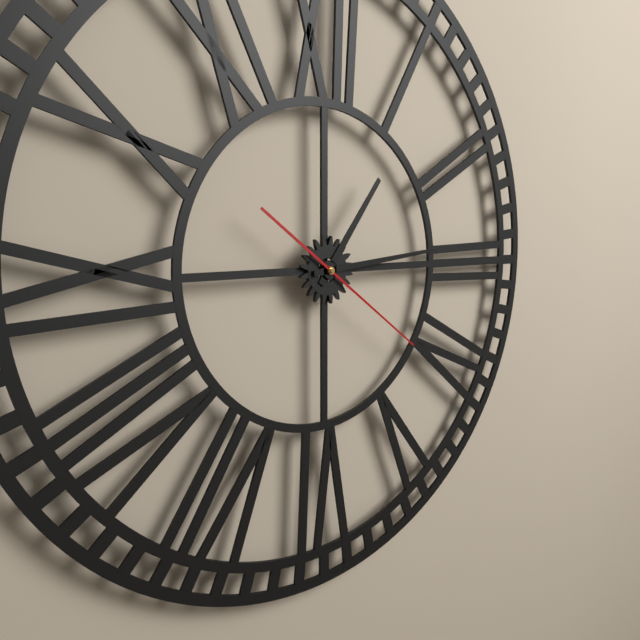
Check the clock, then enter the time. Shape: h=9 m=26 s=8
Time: h=1 m=14 s=21
